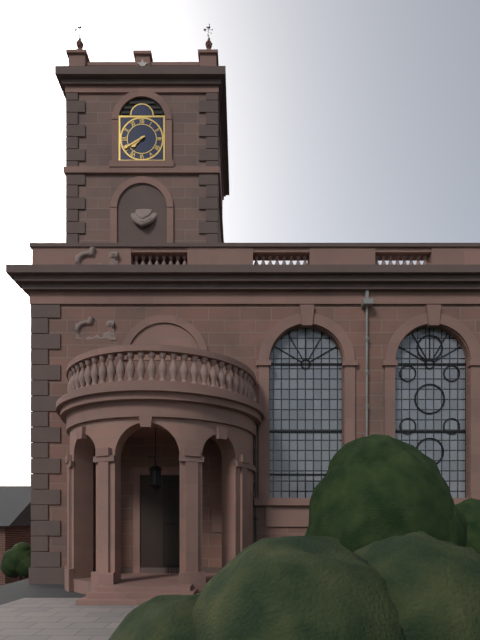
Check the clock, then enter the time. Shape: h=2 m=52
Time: h=7 m=40
